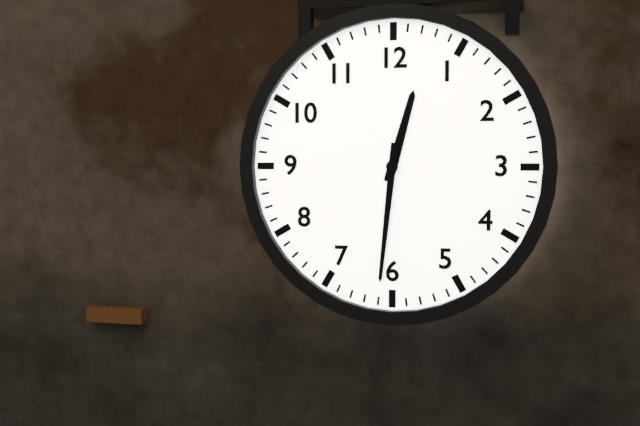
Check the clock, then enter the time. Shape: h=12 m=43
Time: h=12 m=31
